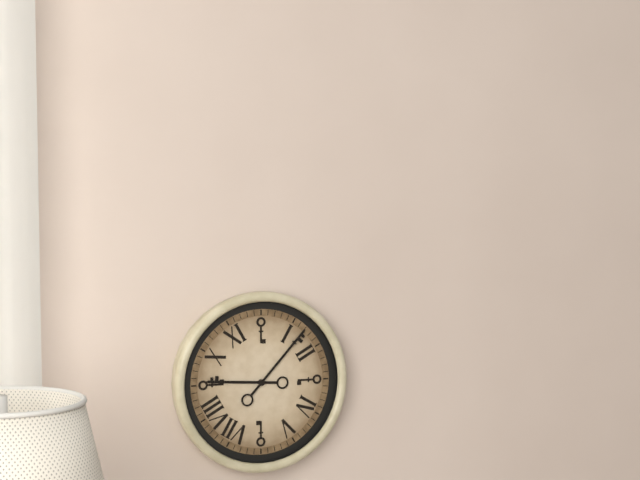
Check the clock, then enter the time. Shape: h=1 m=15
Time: h=9 m=7
